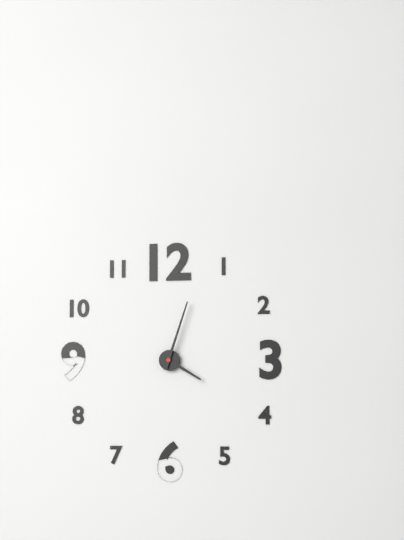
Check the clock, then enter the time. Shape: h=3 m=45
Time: h=4 m=3
